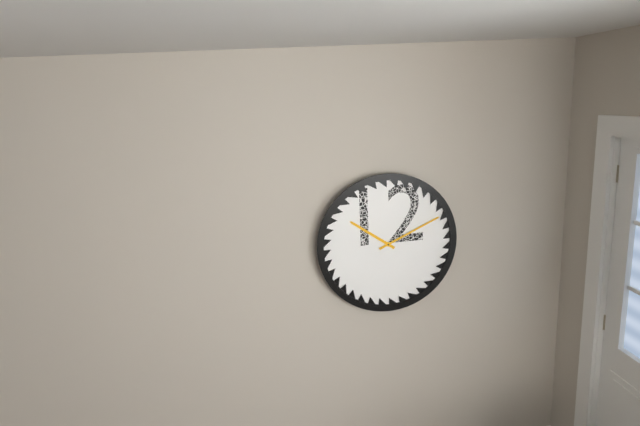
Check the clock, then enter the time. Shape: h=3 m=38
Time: h=10 m=11
